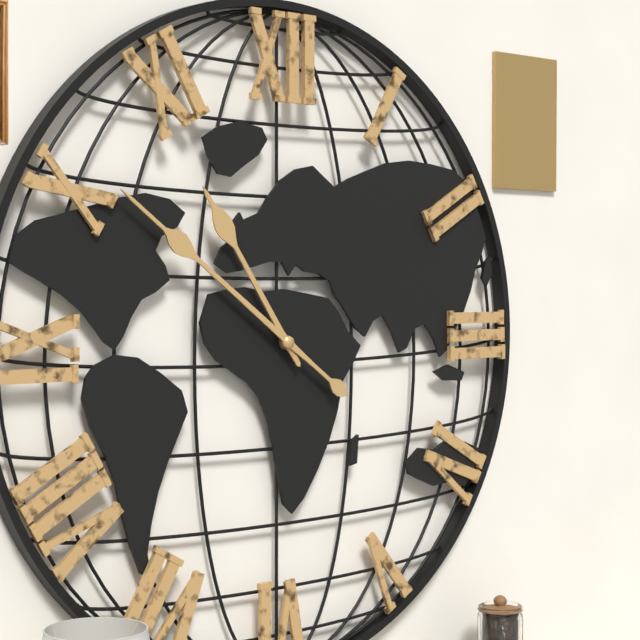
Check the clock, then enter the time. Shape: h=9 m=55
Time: h=10 m=51
